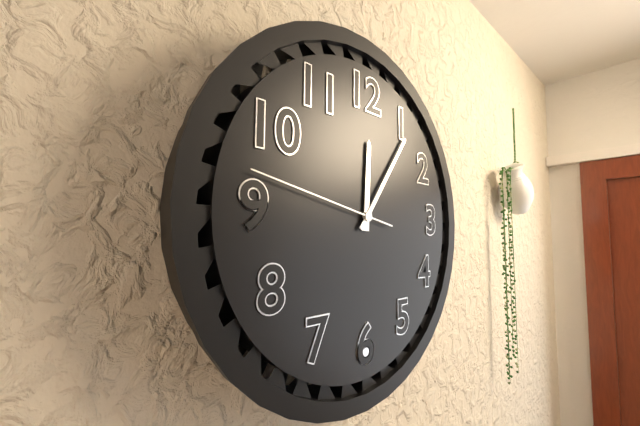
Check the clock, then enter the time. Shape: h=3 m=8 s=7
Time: h=12 m=6 s=47
